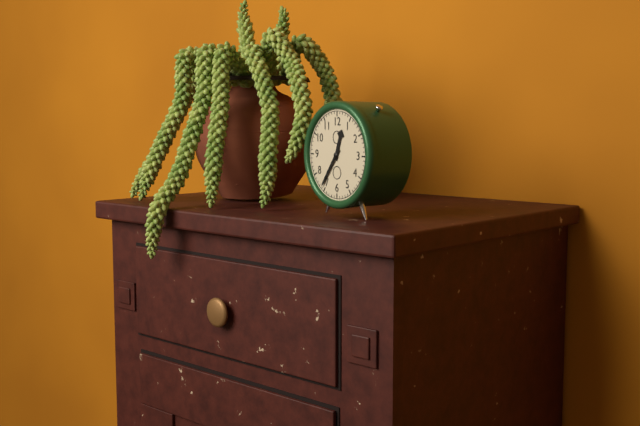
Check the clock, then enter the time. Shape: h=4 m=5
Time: h=12 m=36
